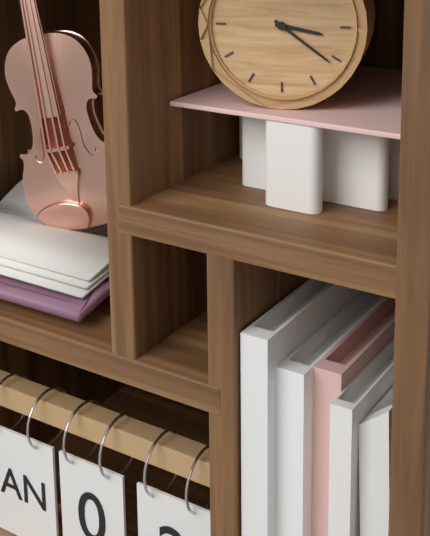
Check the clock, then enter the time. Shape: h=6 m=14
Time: h=3 m=21
